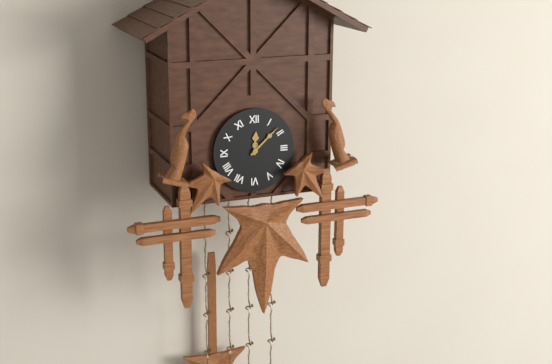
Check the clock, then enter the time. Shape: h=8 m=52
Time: h=12 m=8
